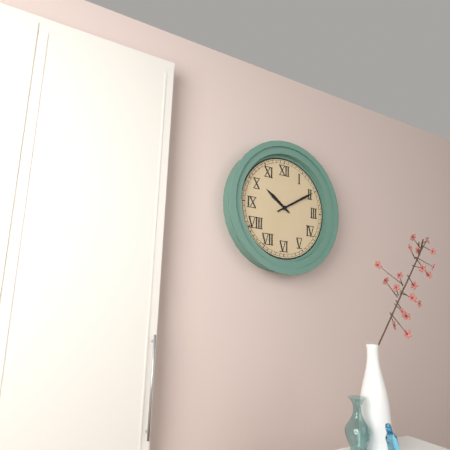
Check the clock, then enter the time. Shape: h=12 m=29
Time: h=10 m=10
